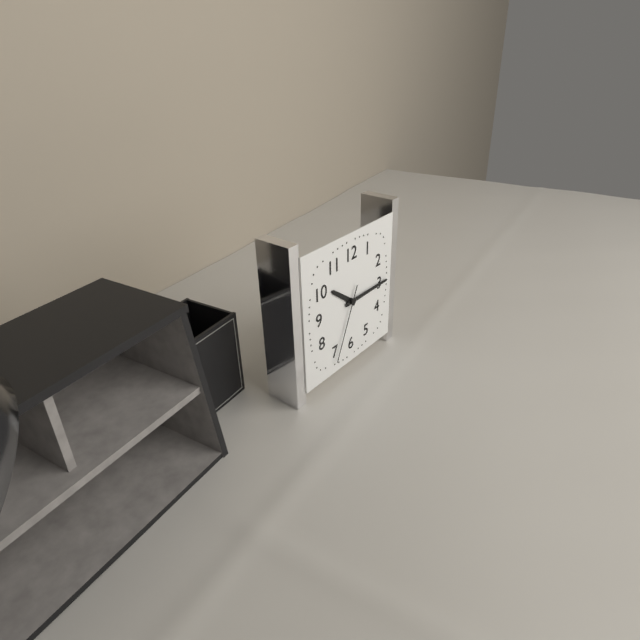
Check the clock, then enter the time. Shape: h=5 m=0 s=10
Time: h=10 m=15 s=34
